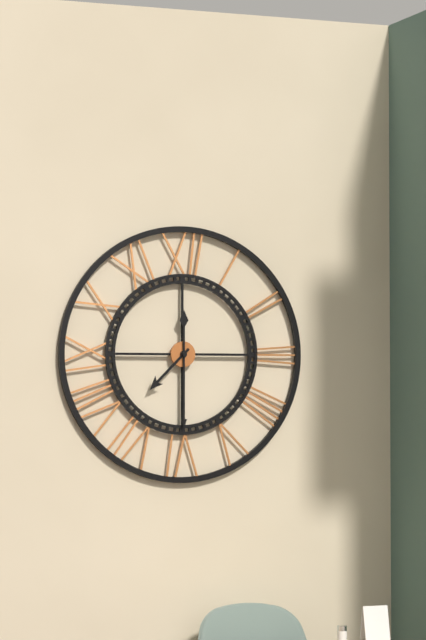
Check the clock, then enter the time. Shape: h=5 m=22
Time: h=7 m=30
